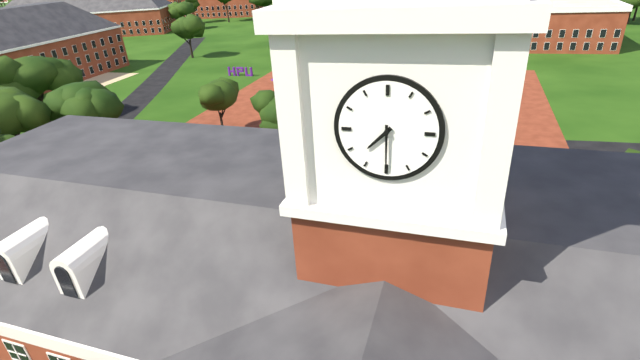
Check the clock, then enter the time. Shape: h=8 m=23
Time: h=7 m=30
